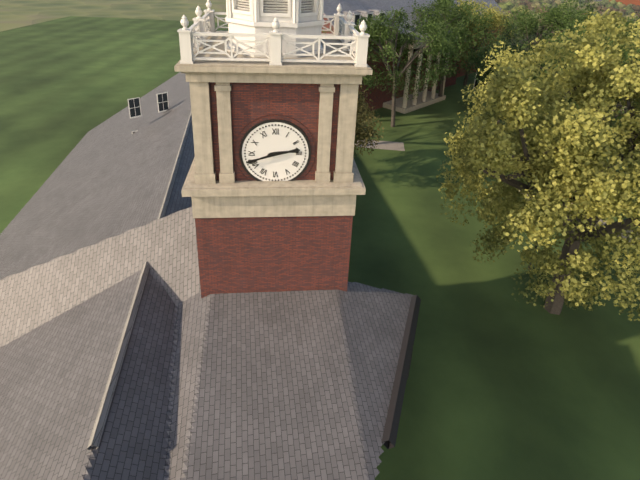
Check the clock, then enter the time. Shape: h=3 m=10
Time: h=2 m=42
